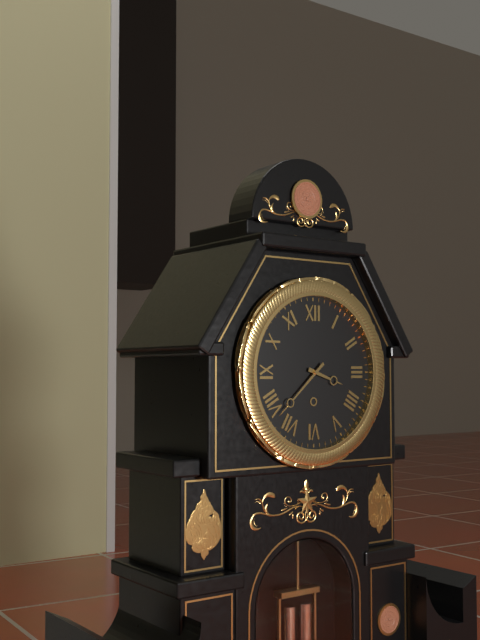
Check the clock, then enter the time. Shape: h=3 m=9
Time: h=3 m=38
